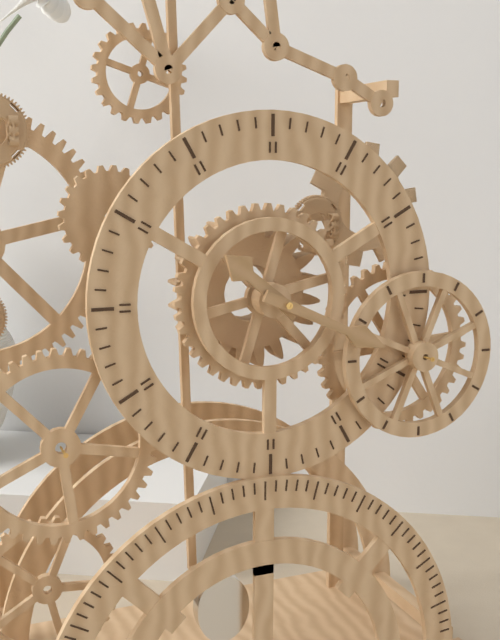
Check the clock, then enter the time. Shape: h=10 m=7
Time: h=10 m=19
